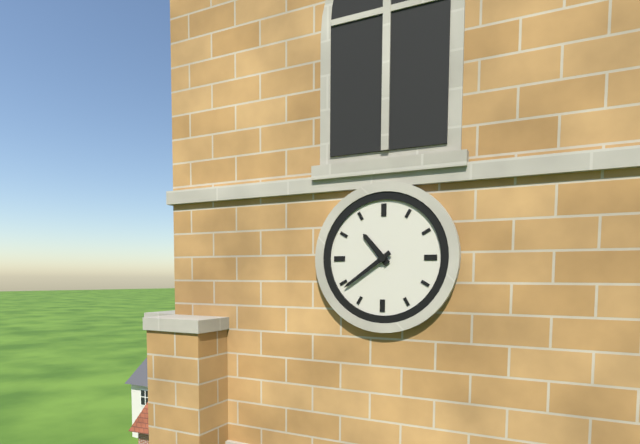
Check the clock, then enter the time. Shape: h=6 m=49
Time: h=10 m=39
